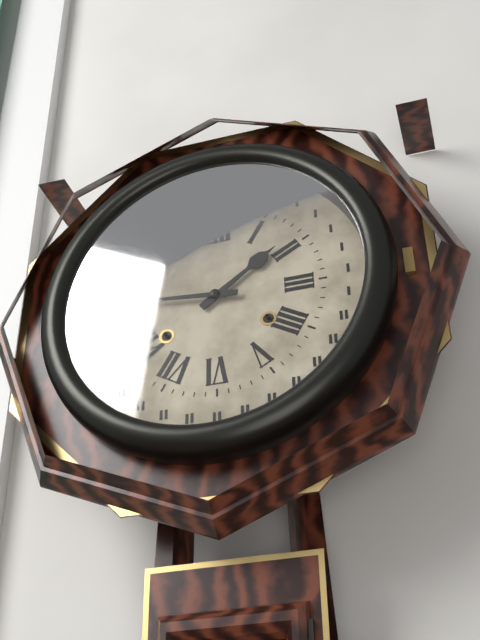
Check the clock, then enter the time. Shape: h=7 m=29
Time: h=1 m=46
